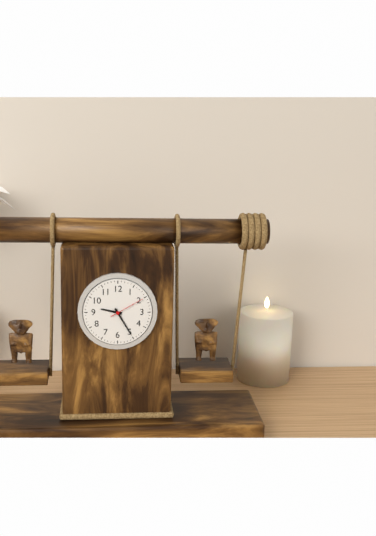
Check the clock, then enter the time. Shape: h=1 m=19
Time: h=9 m=25
